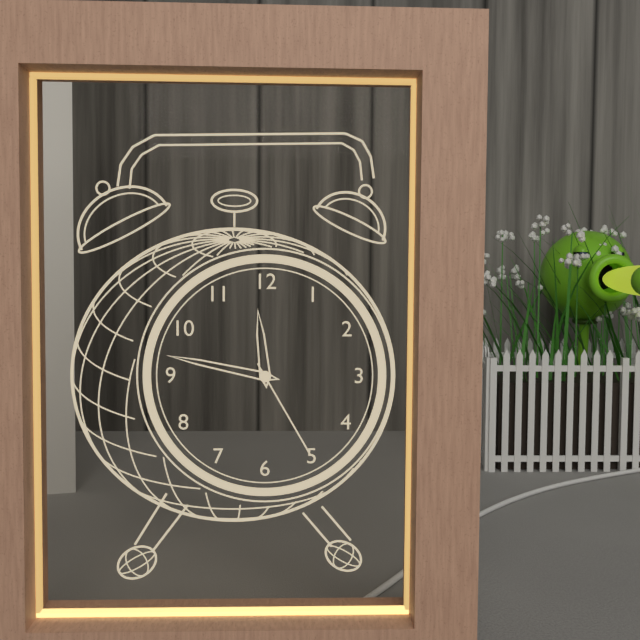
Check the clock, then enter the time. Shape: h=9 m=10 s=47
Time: h=11 m=47 s=25
